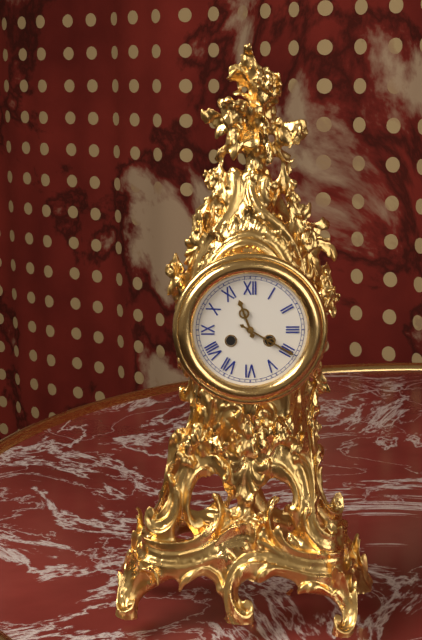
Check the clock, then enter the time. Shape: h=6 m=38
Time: h=11 m=20
